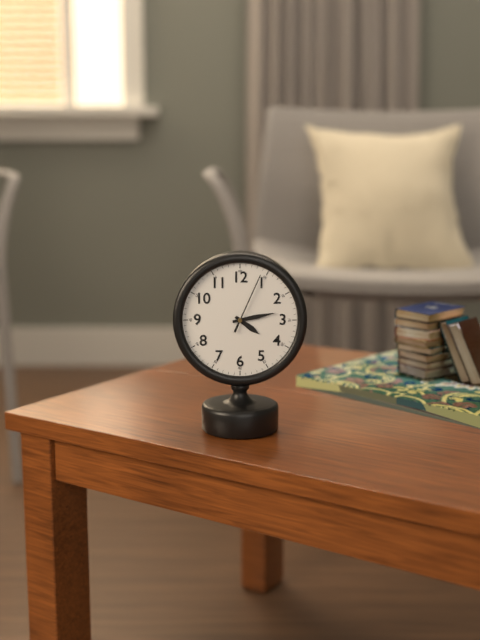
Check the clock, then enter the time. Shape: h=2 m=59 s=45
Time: h=4 m=13 s=4
